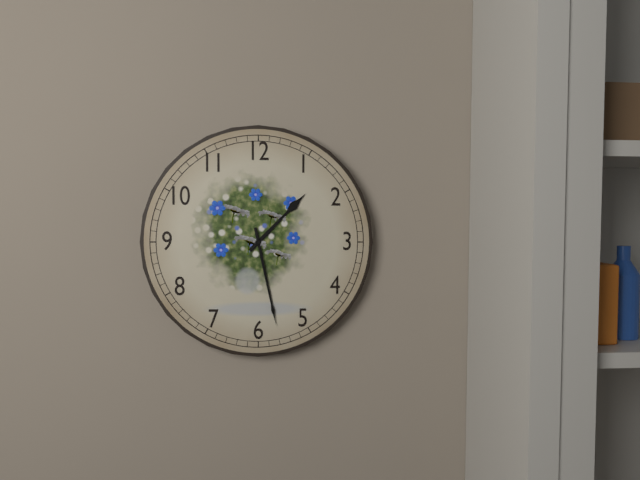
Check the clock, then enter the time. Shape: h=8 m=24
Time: h=1 m=28
